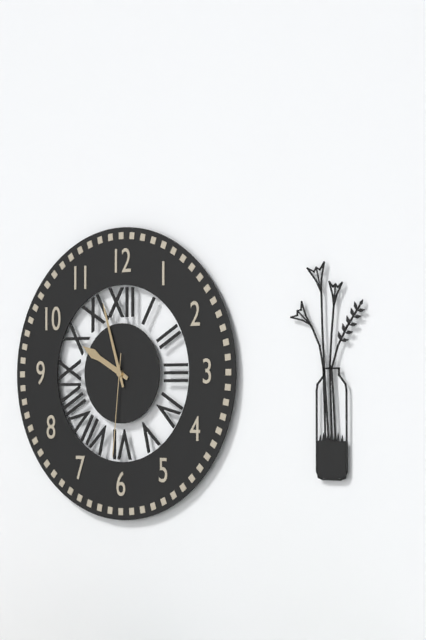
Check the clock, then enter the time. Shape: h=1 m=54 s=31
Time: h=9 m=57 s=31
